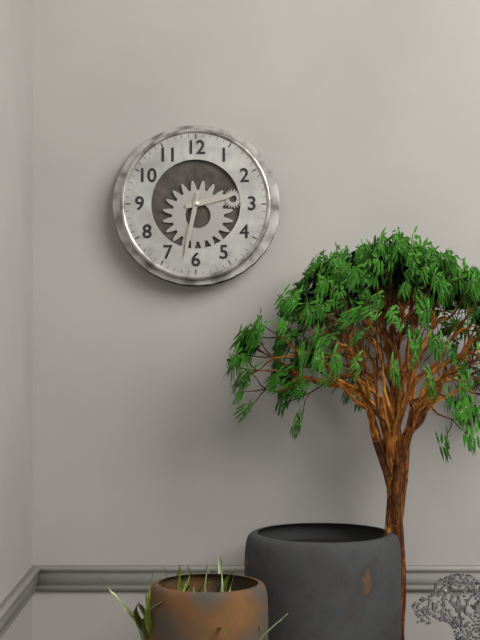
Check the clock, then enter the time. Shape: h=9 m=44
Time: h=2 m=32
